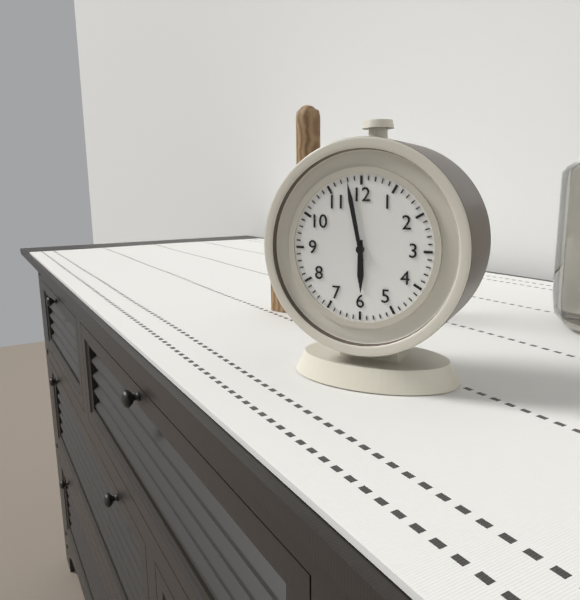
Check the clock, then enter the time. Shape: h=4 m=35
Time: h=5 m=58
